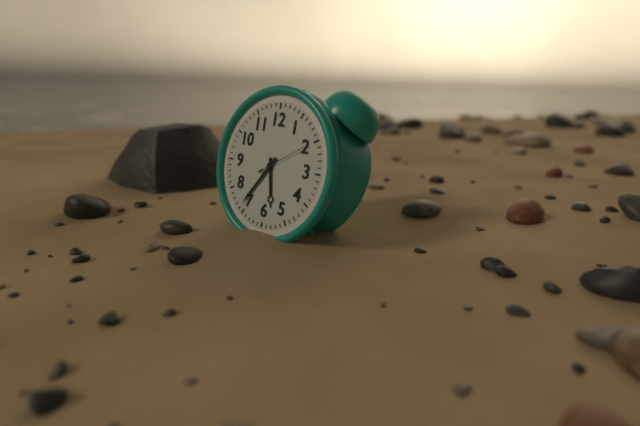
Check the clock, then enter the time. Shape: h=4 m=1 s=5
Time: h=5 m=36 s=10
